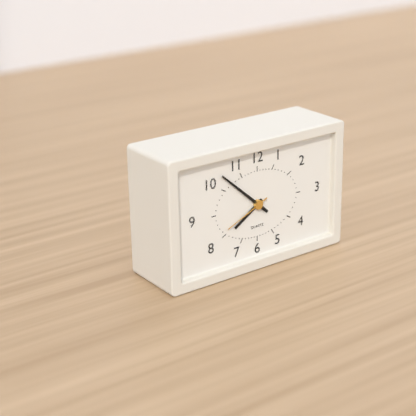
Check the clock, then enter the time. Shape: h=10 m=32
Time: h=7 m=52
